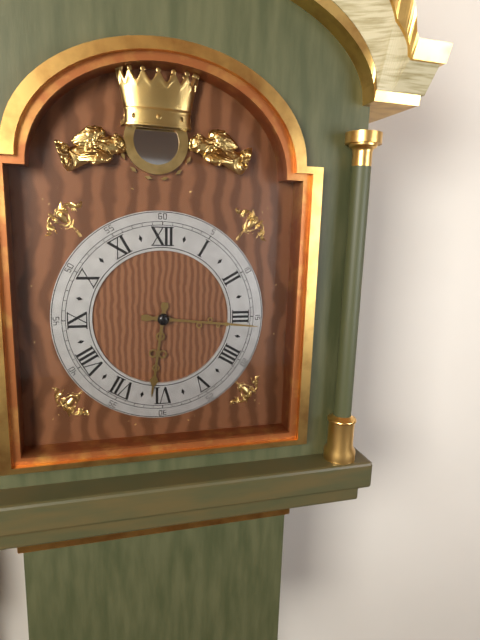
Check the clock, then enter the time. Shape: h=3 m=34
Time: h=6 m=16
